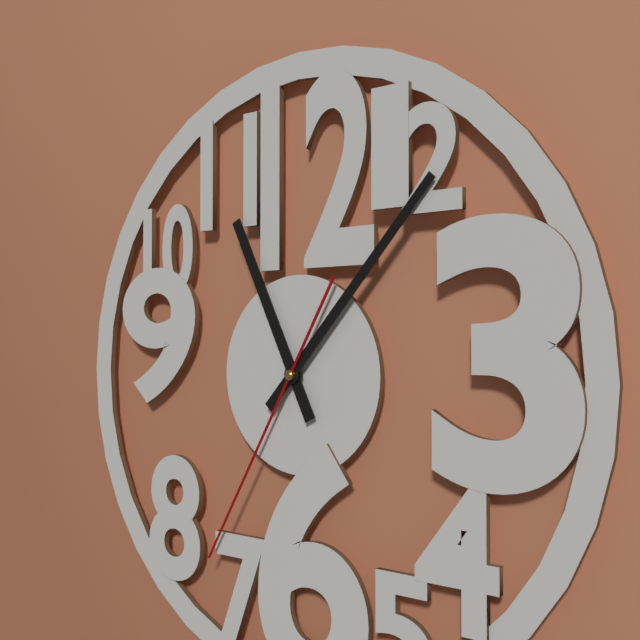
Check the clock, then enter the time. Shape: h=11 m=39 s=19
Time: h=11 m=7 s=35
